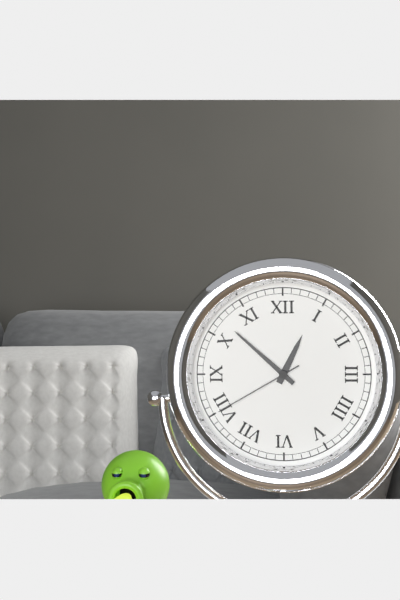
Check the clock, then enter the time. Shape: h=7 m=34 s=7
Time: h=12 m=52 s=40
